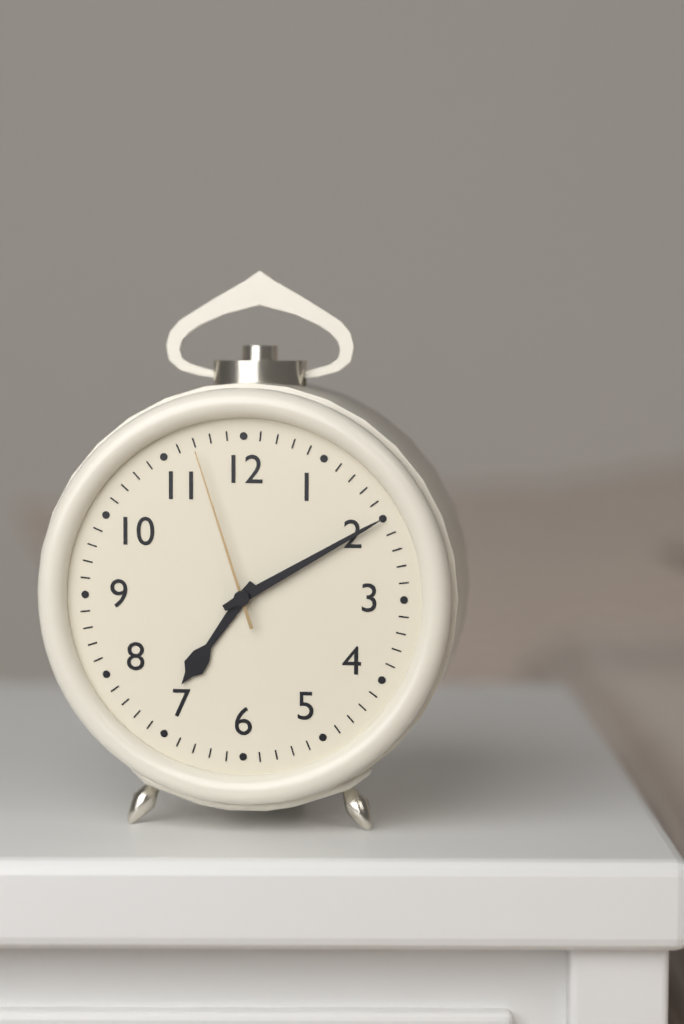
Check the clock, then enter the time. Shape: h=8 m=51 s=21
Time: h=7 m=10 s=57
